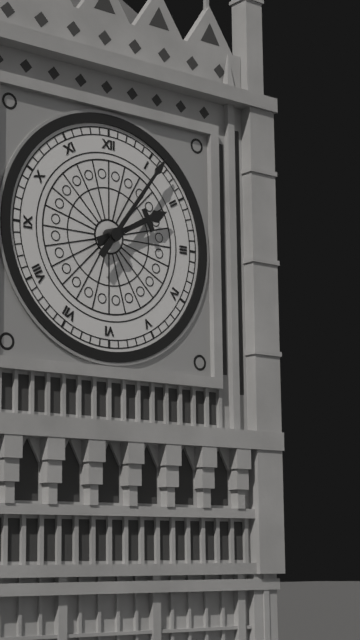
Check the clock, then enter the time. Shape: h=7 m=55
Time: h=2 m=6
